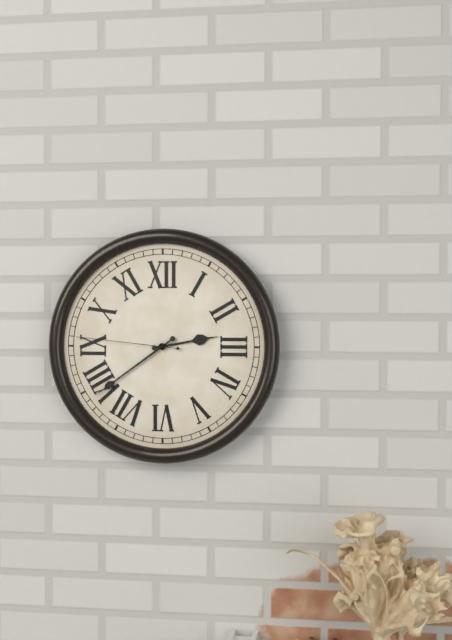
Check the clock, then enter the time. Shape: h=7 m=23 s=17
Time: h=2 m=39 s=46
